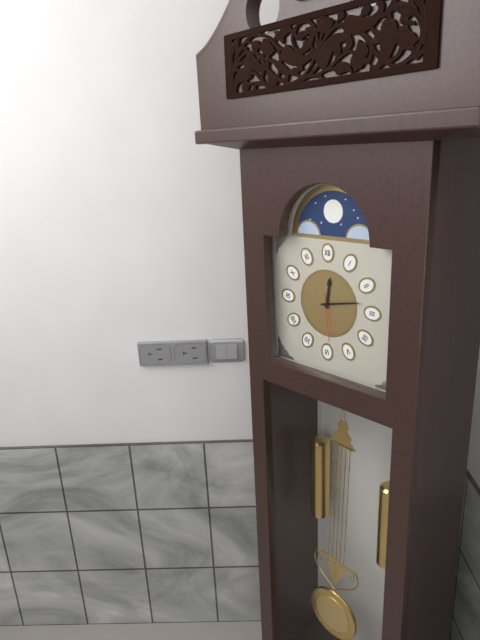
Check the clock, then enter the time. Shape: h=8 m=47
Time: h=12 m=13
